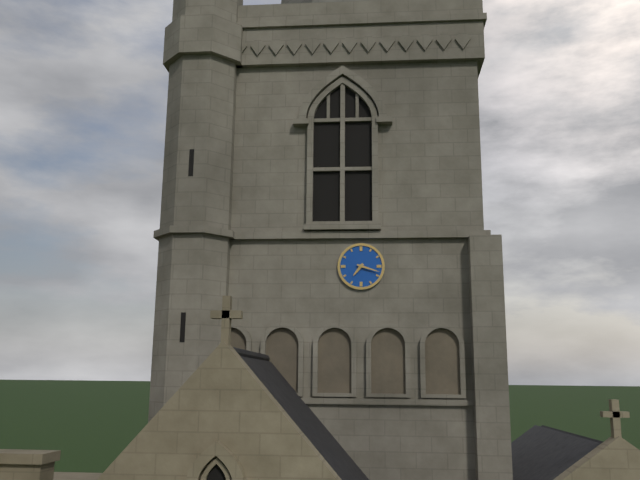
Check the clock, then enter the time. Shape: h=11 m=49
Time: h=7 m=18
